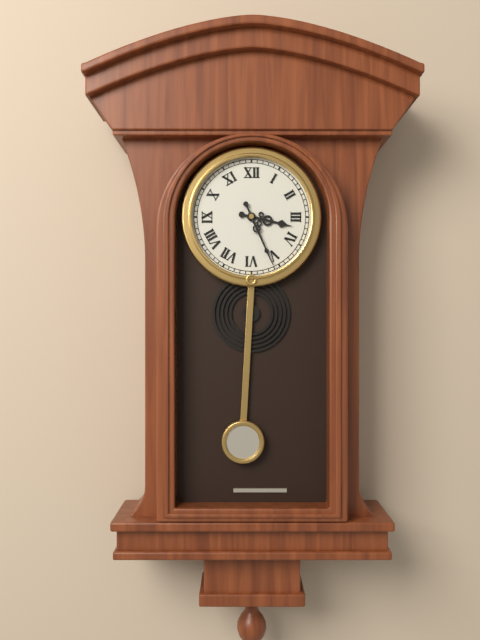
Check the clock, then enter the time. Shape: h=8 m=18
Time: h=3 m=26
